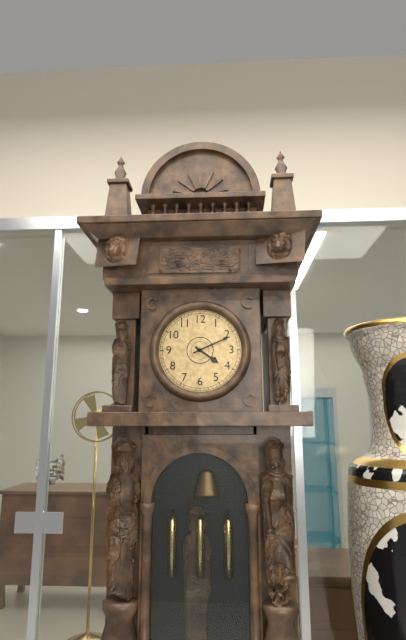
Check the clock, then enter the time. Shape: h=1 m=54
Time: h=4 m=11
